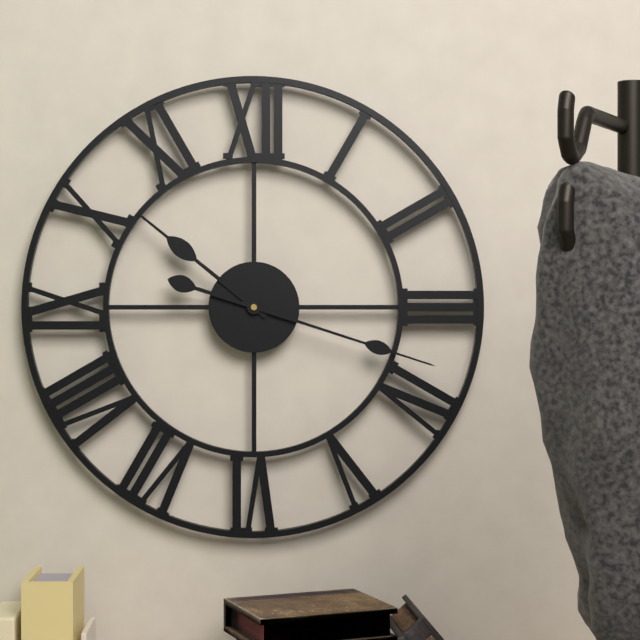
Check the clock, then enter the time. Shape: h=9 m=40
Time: h=10 m=18
